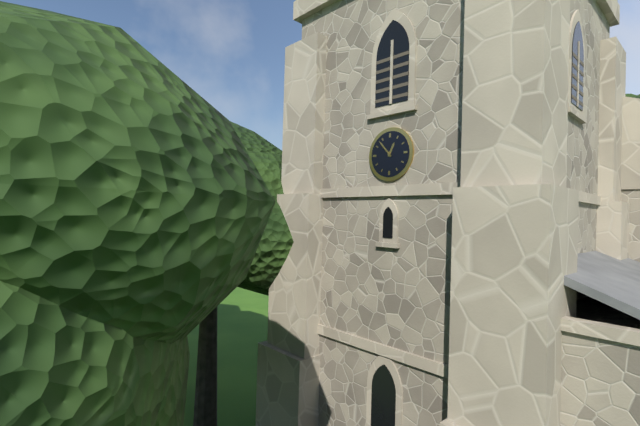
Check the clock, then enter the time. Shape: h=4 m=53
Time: h=12 m=53
